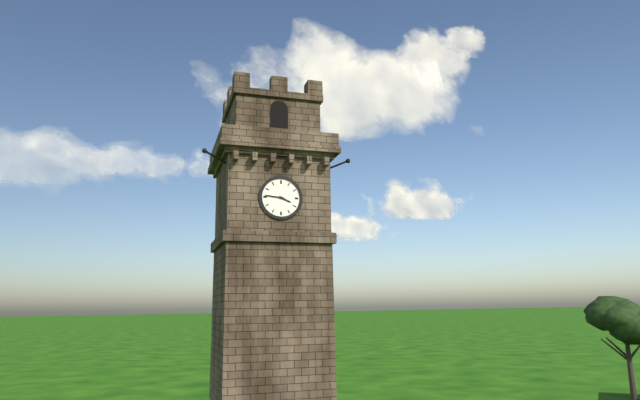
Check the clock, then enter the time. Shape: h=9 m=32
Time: h=3 m=46
